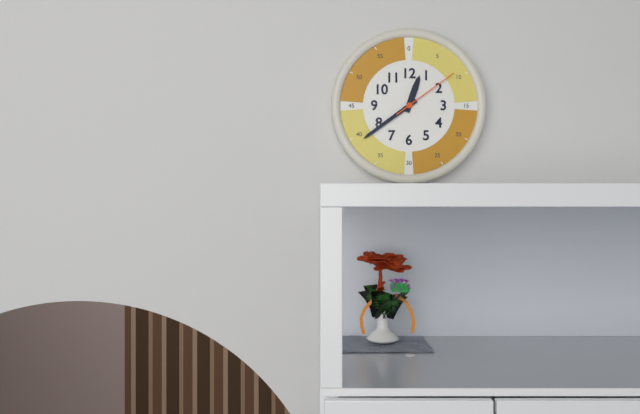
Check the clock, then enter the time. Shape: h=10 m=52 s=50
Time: h=12 m=39 s=9
